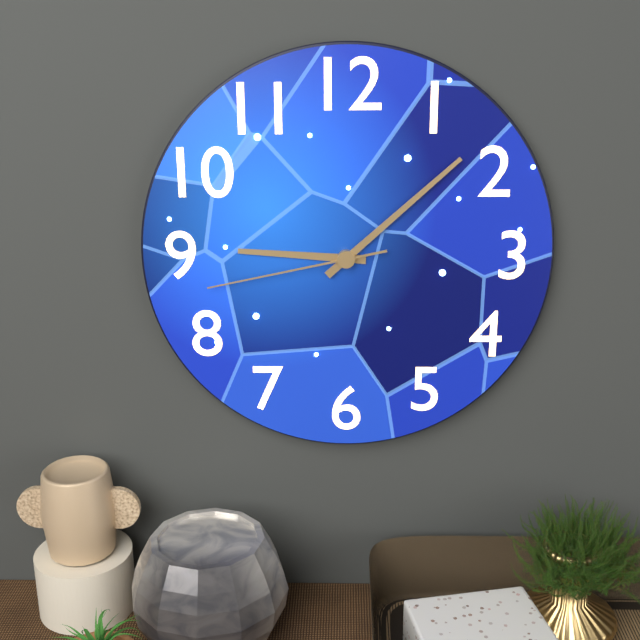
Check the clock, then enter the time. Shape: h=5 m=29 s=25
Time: h=9 m=8 s=43
